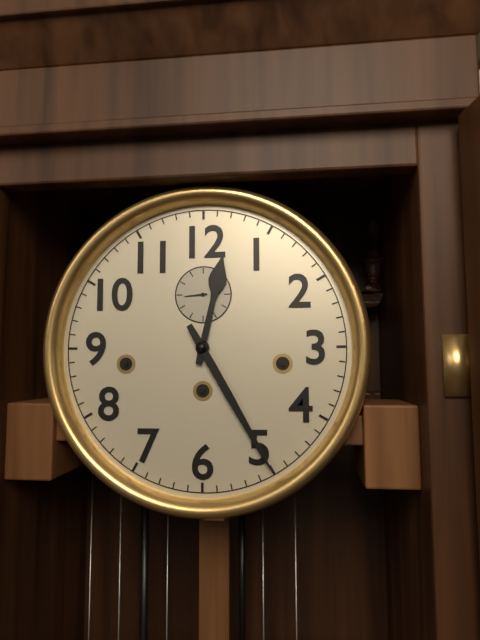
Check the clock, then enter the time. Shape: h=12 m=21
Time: h=12 m=25
